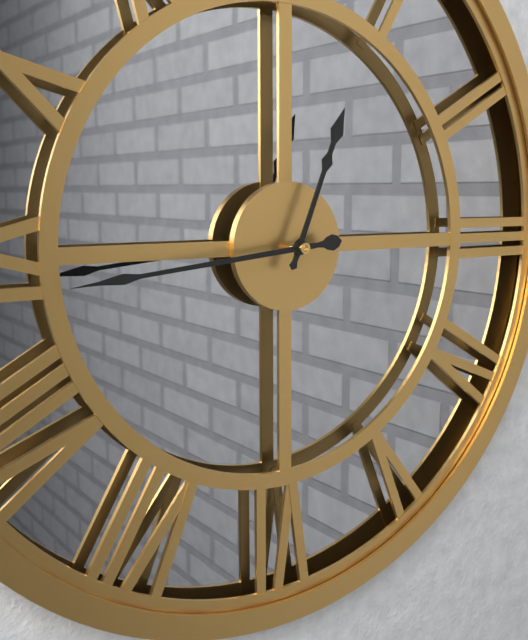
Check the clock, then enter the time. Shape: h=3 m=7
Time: h=12 m=44
